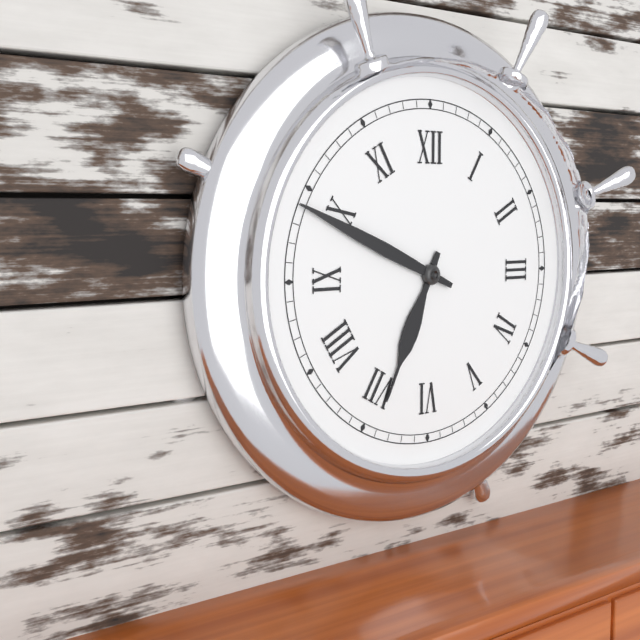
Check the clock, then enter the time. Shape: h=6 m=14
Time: h=6 m=49
